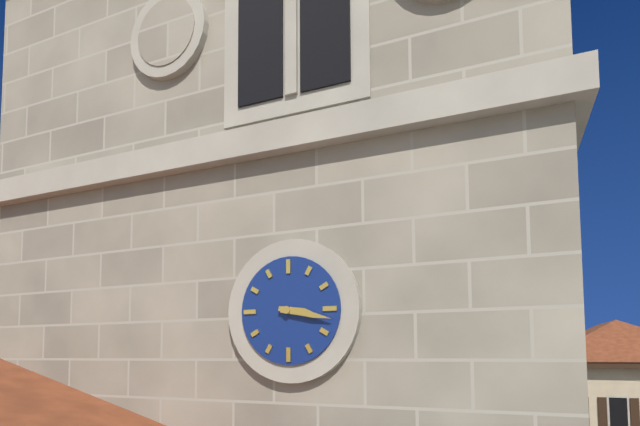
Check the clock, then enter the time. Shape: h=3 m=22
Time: h=3 m=17
